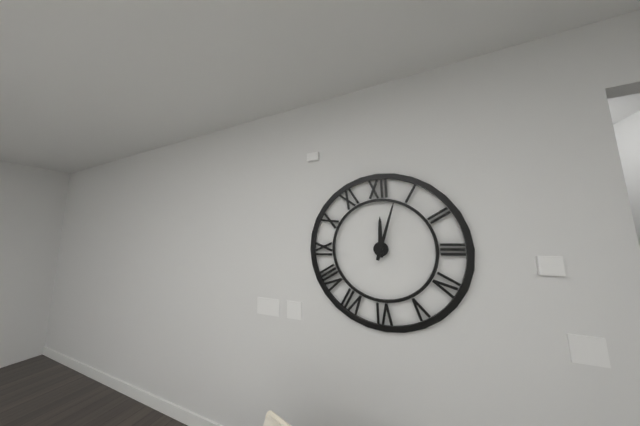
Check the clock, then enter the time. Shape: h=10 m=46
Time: h=12 m=3
